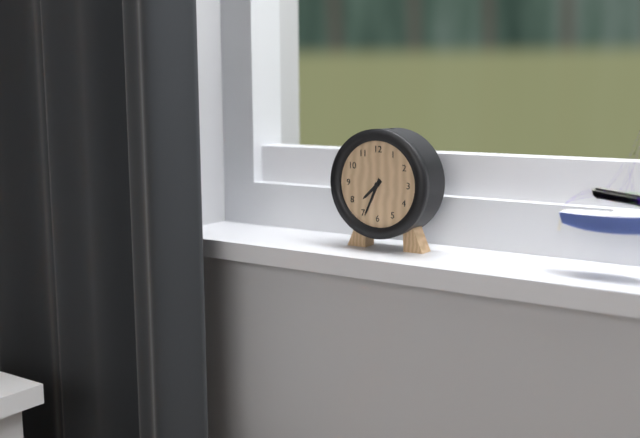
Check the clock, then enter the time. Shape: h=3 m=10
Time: h=7 m=34
